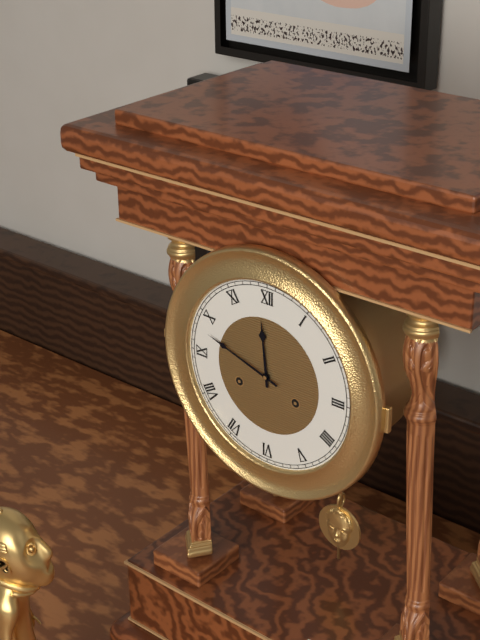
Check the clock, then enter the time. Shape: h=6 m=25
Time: h=11 m=48
